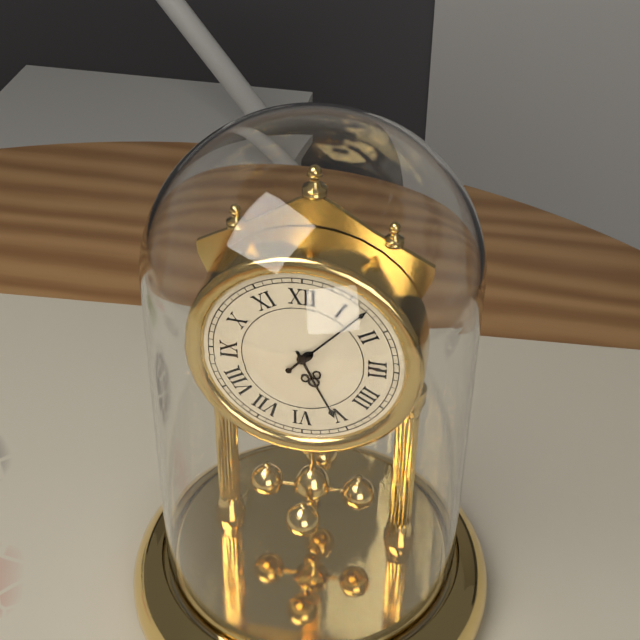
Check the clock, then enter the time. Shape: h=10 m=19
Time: h=5 m=7
